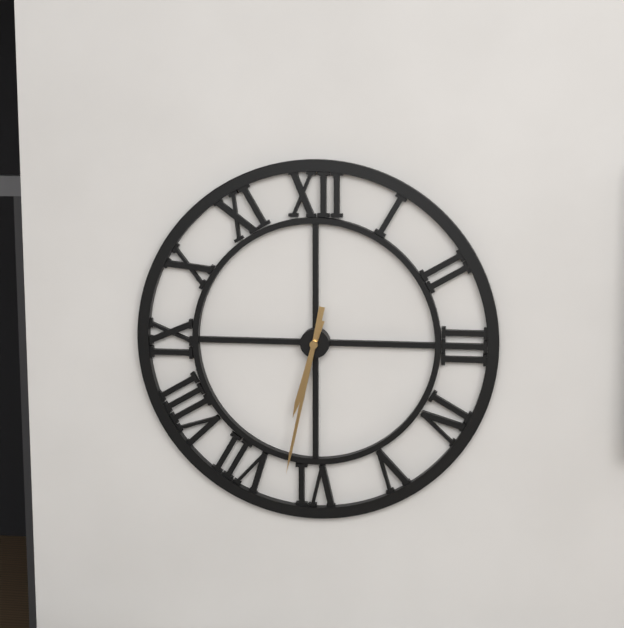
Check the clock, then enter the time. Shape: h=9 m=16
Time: h=6 m=32
